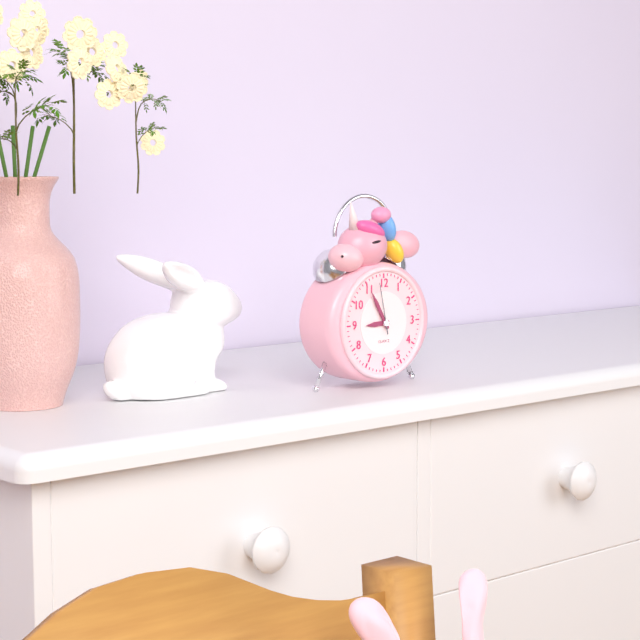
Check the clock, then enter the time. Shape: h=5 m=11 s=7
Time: h=8 m=55 s=58
